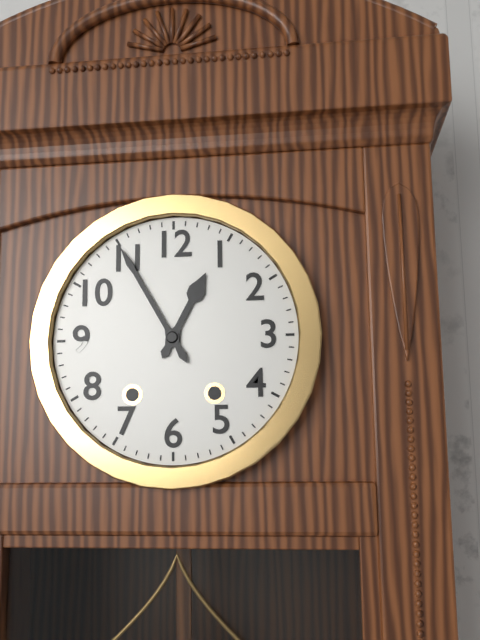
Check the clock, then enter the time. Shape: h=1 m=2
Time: h=12 m=55
